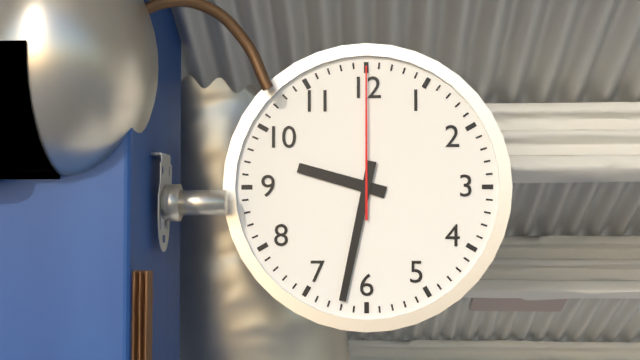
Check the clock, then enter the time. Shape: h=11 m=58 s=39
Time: h=9 m=32 s=0
